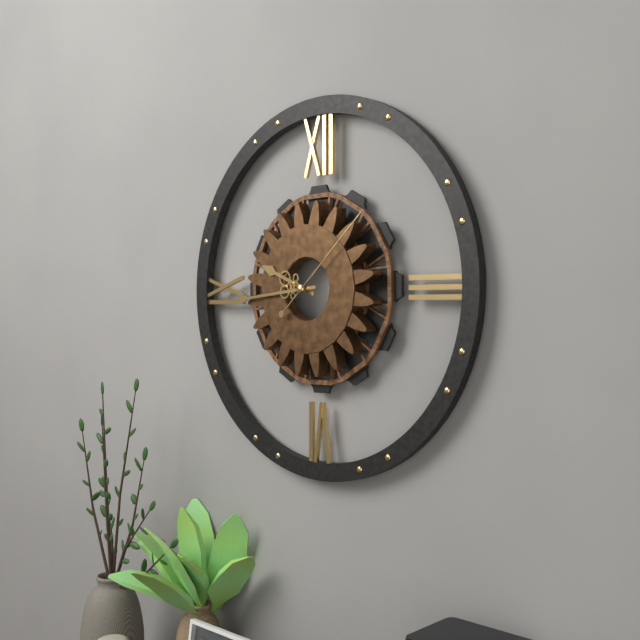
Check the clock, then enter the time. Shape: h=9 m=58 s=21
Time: h=9 m=44 s=8
